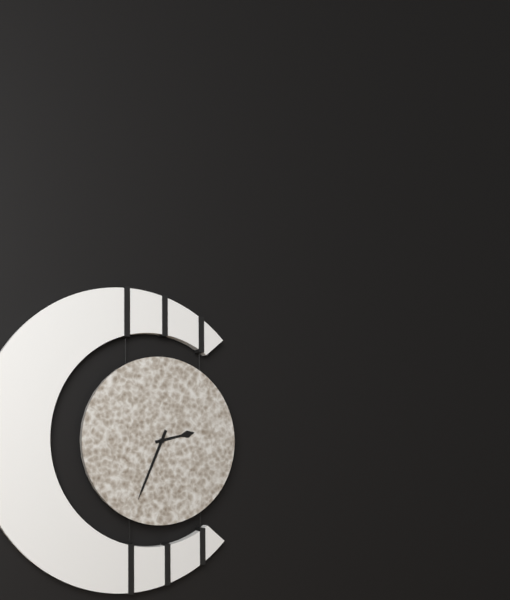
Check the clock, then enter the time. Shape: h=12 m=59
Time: h=2 m=34
